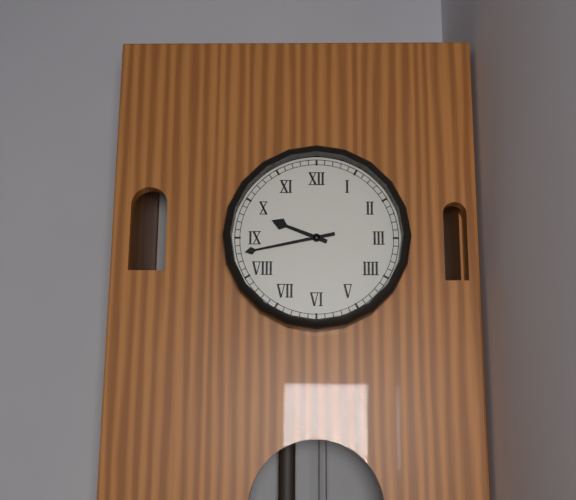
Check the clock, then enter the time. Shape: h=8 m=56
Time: h=9 m=43
